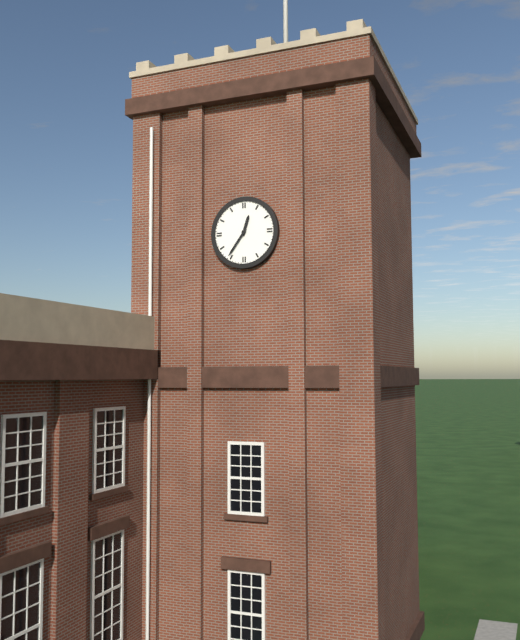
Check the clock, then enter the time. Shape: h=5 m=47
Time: h=12 m=36
